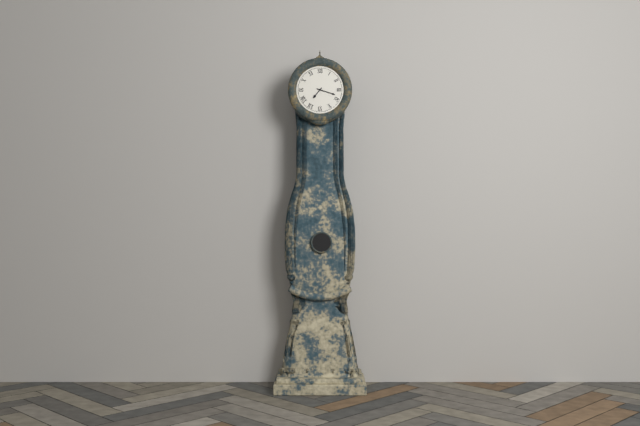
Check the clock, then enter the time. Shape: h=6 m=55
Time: h=7 m=18
